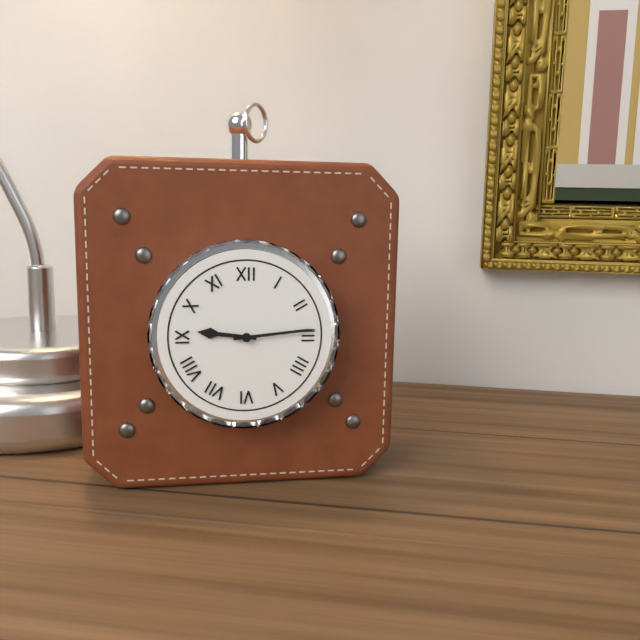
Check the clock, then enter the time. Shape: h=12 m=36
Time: h=9 m=14
